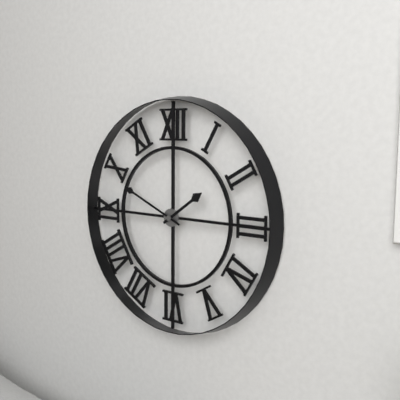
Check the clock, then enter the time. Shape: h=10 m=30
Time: h=1 m=49
